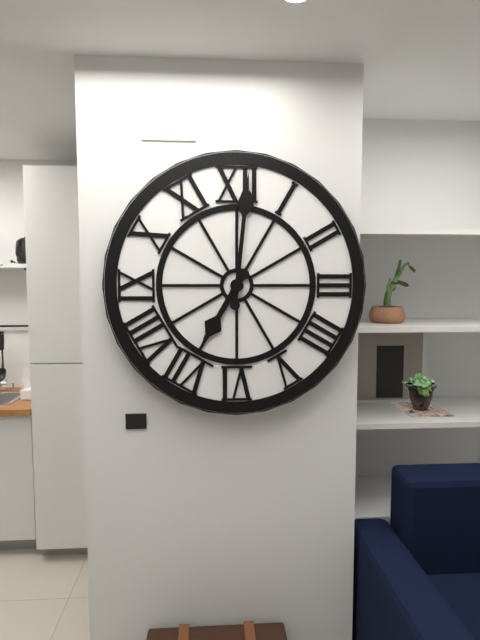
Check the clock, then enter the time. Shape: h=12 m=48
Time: h=7 m=1
